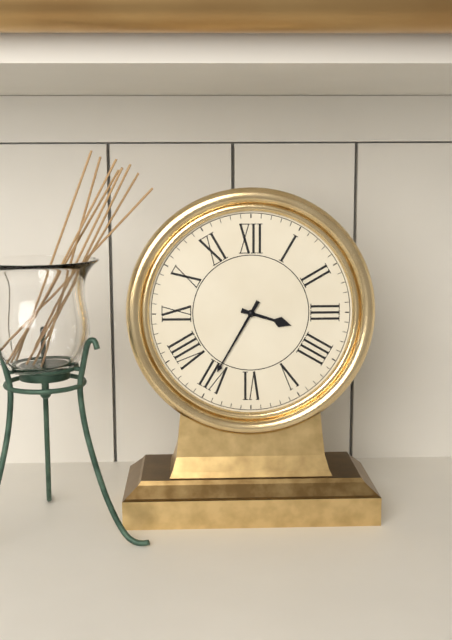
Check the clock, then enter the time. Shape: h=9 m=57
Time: h=3 m=35
